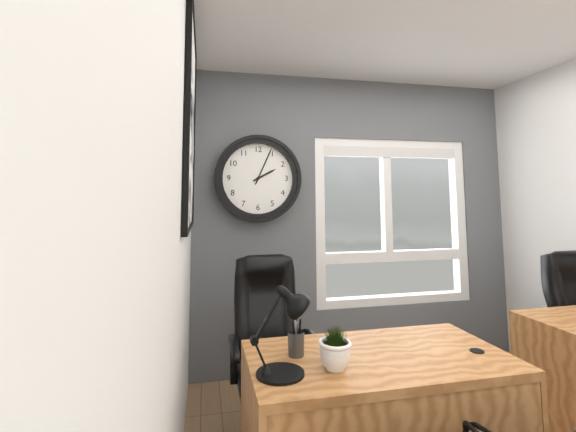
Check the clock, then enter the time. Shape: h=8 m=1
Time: h=2 m=4
